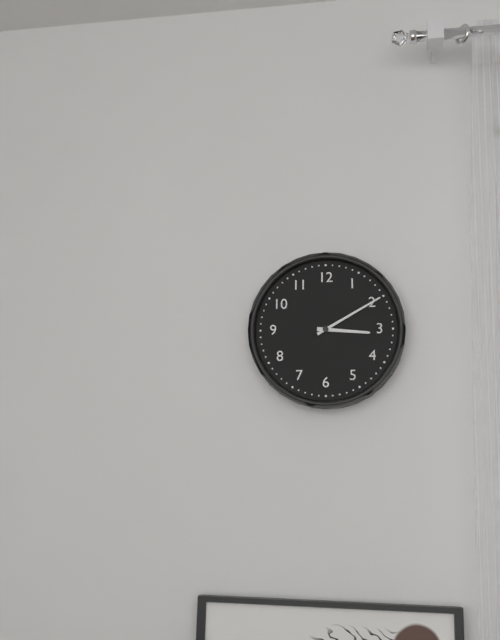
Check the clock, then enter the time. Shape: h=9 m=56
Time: h=3 m=10
